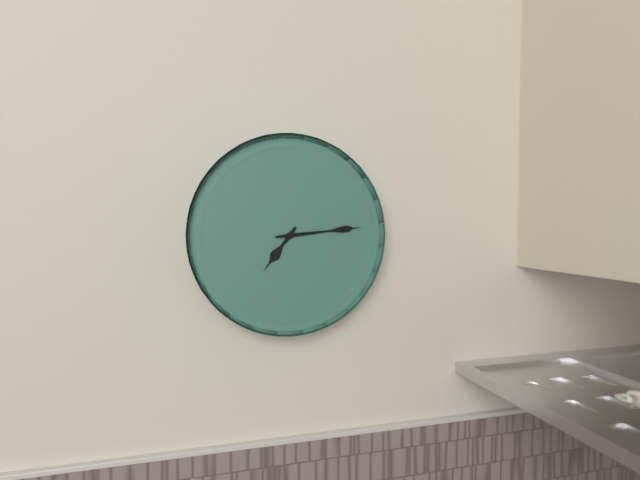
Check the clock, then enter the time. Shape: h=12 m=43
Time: h=7 m=14
